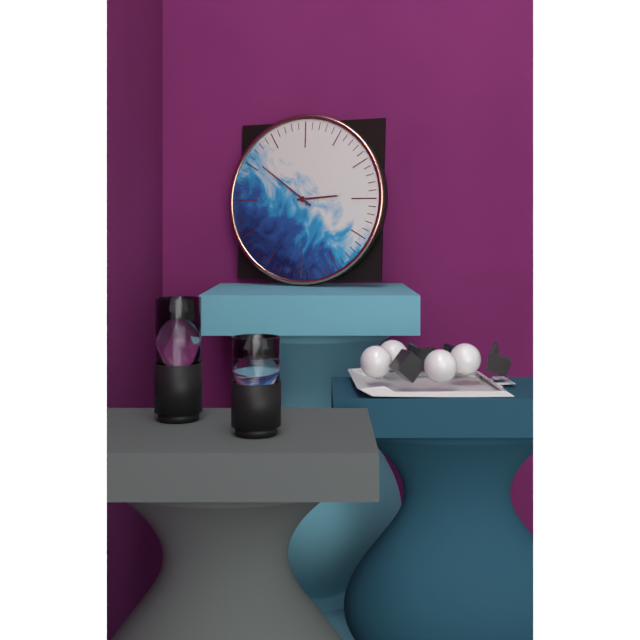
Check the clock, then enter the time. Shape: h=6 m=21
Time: h=2 m=51
